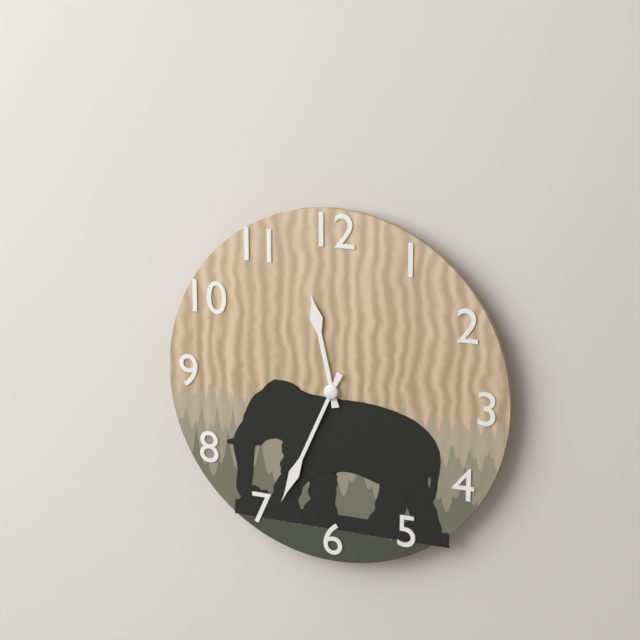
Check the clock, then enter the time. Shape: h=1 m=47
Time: h=11 m=34
